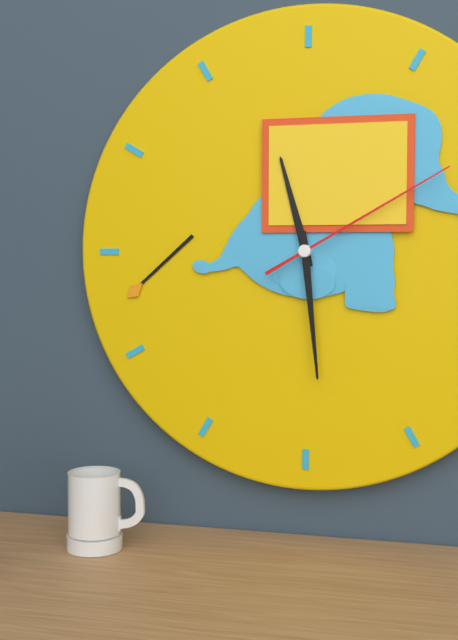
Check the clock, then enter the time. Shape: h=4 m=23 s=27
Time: h=11 m=29 s=10
